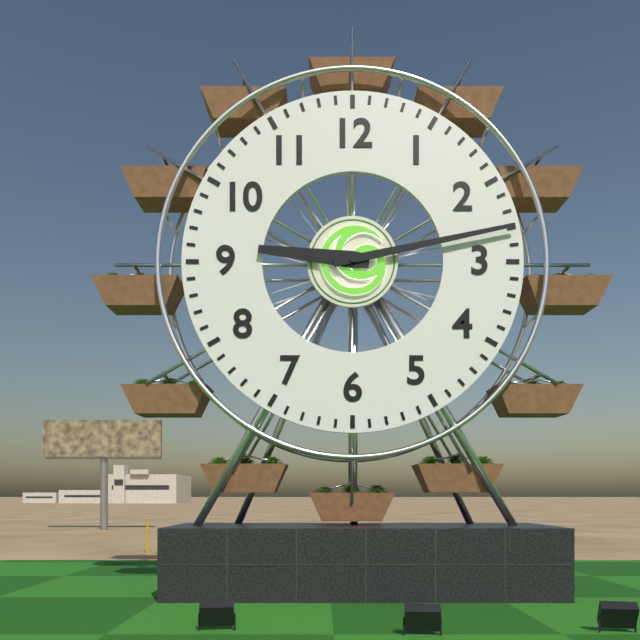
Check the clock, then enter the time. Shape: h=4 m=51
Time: h=9 m=13
